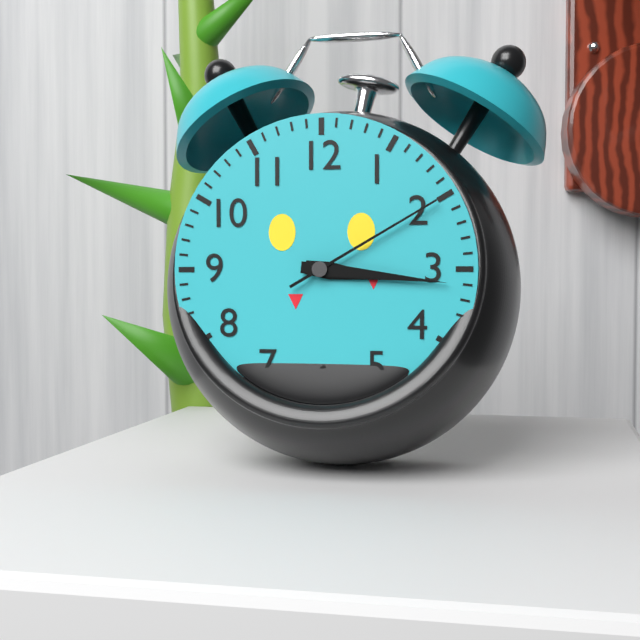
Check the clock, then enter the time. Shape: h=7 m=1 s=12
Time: h=3 m=16 s=10
